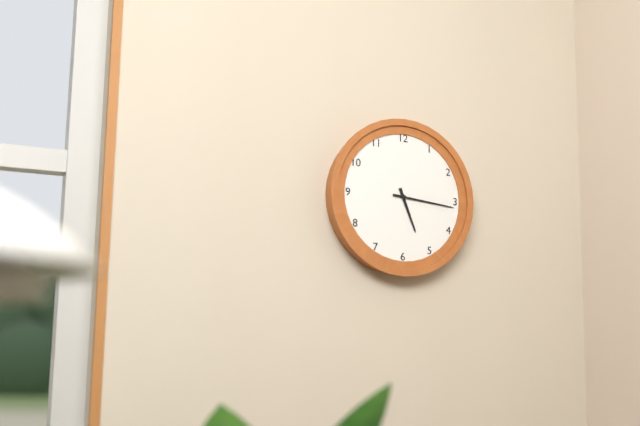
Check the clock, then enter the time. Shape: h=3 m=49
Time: h=5 m=16
